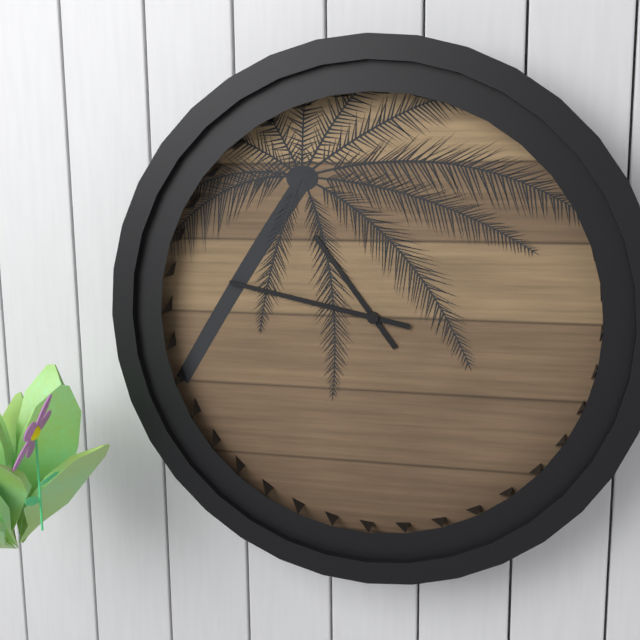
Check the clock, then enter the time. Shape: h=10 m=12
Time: h=10 m=47
